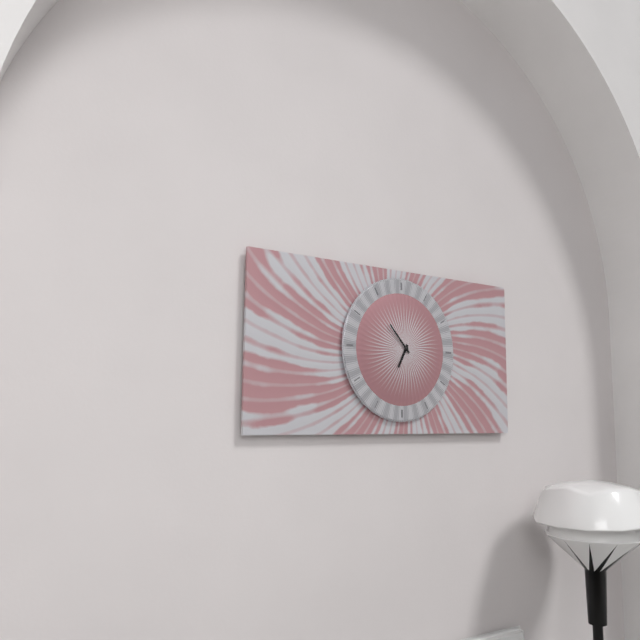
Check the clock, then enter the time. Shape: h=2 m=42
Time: h=6 m=53
